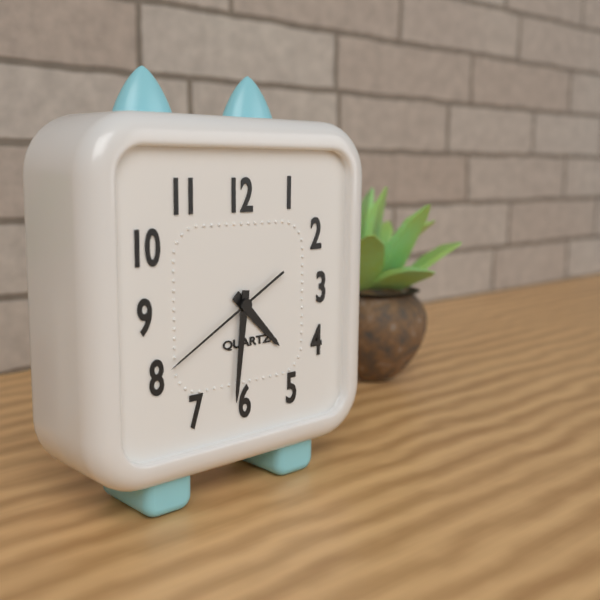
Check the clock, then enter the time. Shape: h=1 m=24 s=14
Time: h=4 m=31 s=40
